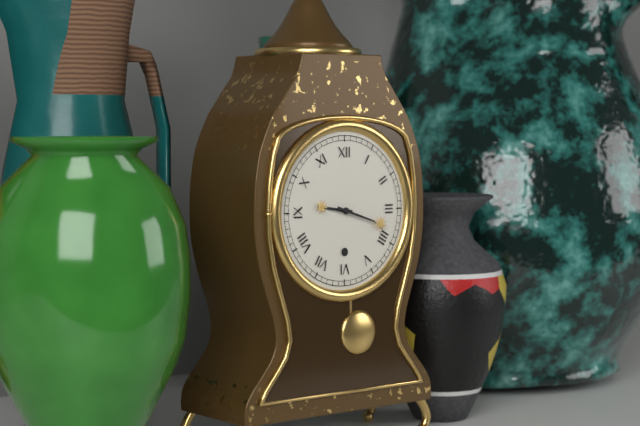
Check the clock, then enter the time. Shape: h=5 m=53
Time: h=9 m=18
